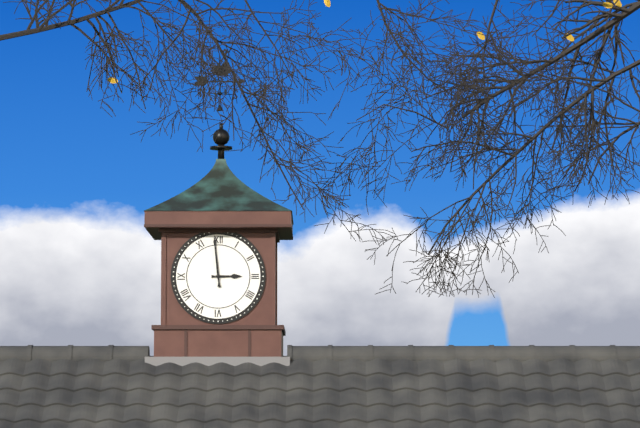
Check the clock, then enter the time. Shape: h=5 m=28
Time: h=2 m=59
